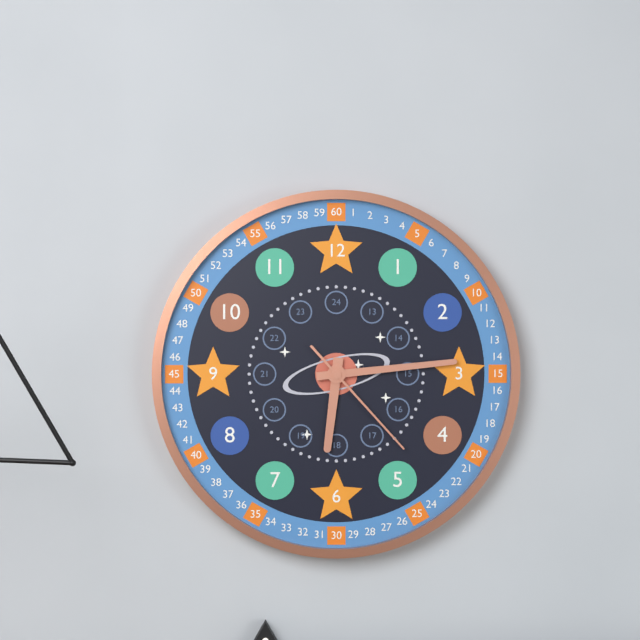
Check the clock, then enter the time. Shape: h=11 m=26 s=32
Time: h=6 m=14 s=23
